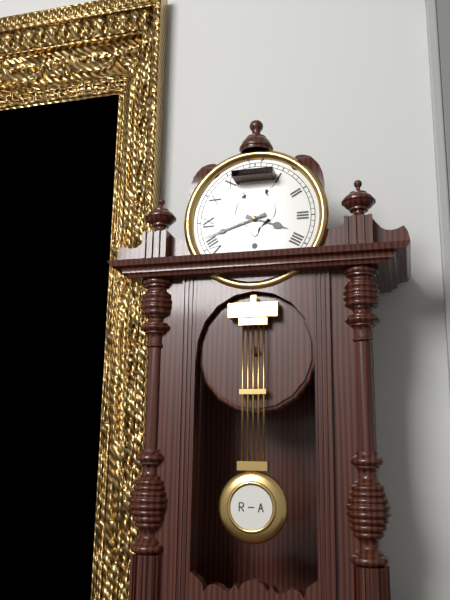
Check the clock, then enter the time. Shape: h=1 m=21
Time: h=3 m=42
